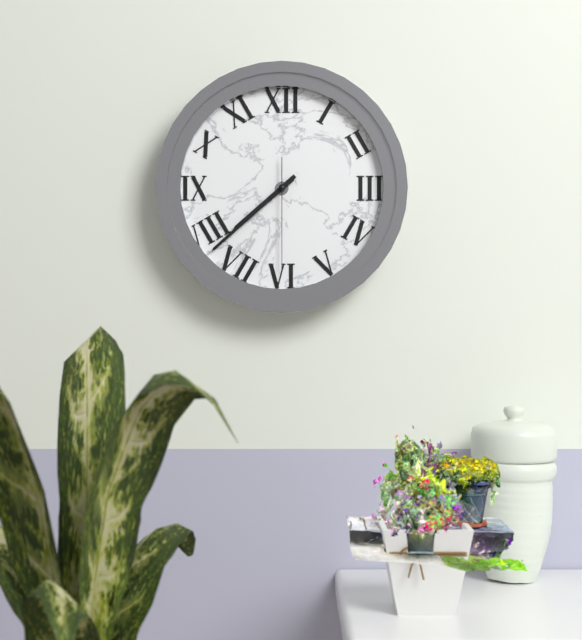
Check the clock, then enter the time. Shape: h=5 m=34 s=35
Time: h=7 m=38 s=30
